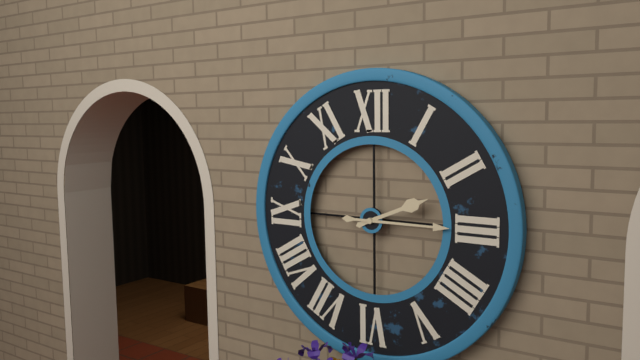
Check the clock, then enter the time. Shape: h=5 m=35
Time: h=2 m=15
